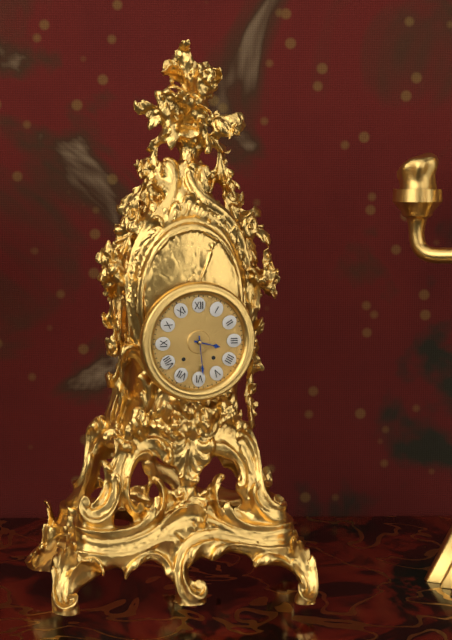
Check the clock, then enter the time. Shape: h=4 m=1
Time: h=3 m=29
